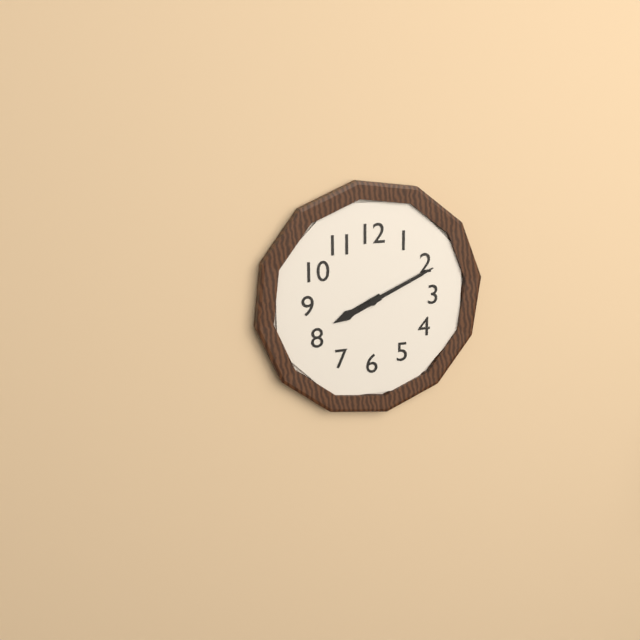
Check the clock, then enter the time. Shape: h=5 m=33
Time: h=8 m=11
